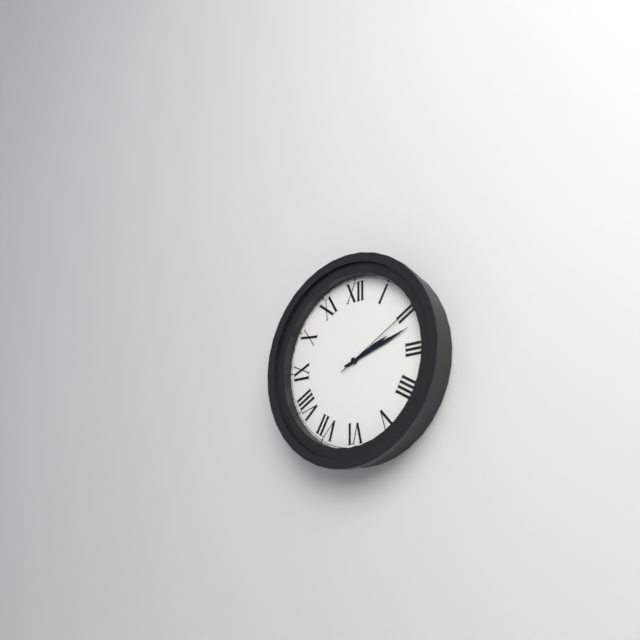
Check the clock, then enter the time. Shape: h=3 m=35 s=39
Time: h=2 m=12 s=10
